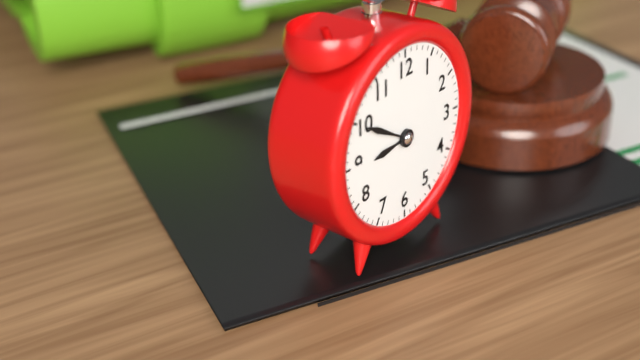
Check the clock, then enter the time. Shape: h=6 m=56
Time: h=8 m=50
